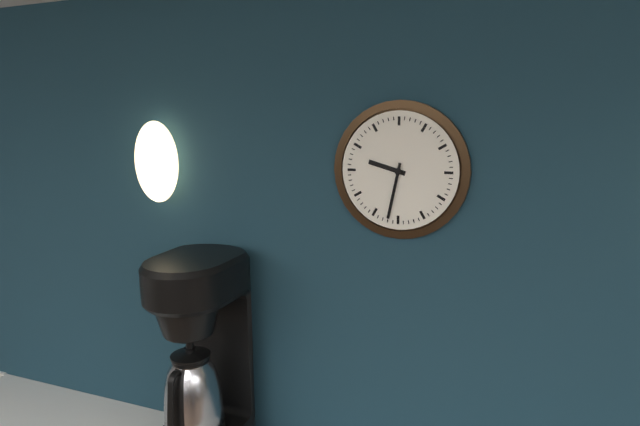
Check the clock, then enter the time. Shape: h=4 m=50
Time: h=9 m=32
